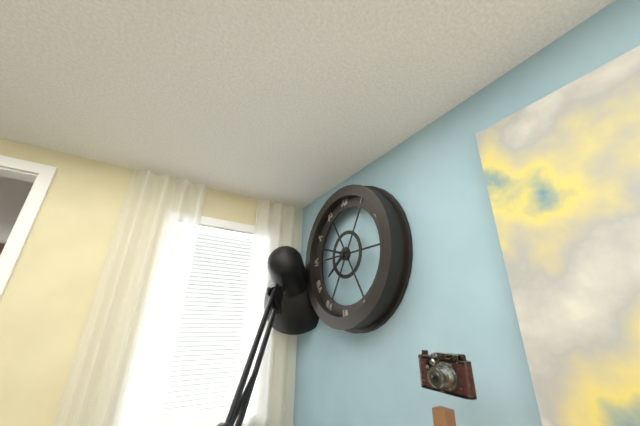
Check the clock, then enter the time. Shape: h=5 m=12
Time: h=7 m=48
